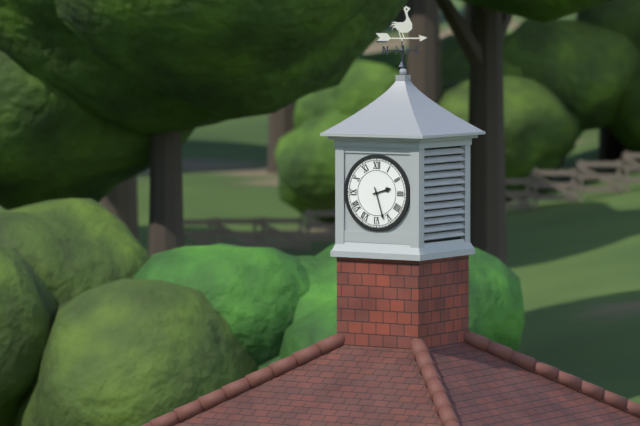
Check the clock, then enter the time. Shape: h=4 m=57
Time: h=2 m=27
